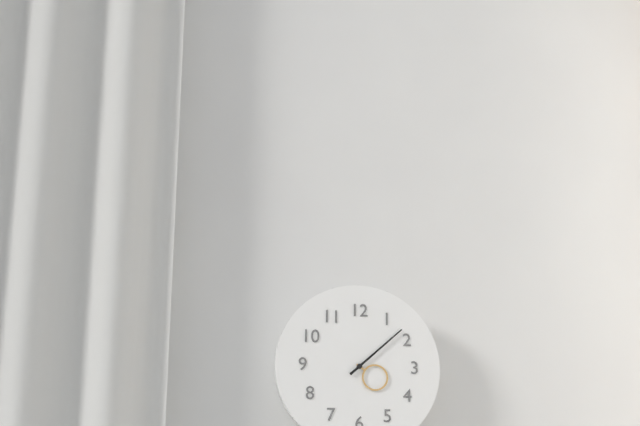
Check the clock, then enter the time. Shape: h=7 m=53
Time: h=4 m=8
